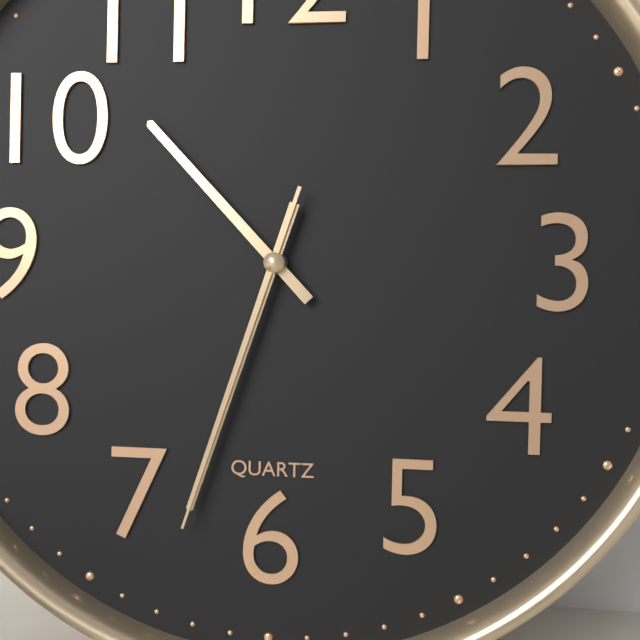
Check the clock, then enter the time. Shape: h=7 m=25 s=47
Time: h=10 m=33 s=33
